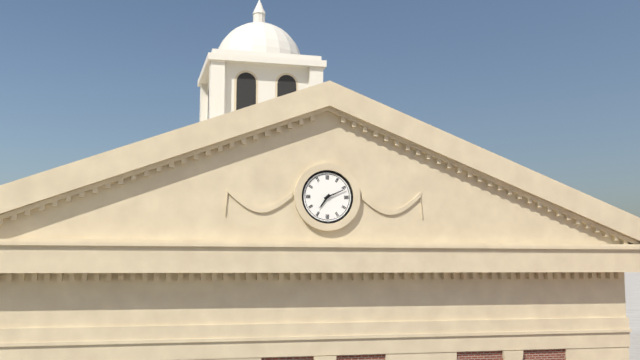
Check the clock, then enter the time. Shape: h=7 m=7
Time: h=7 m=11
